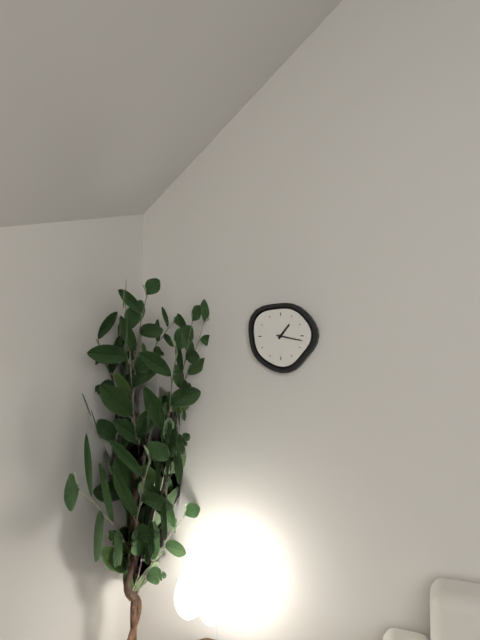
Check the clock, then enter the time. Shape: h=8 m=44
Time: h=1 m=17
